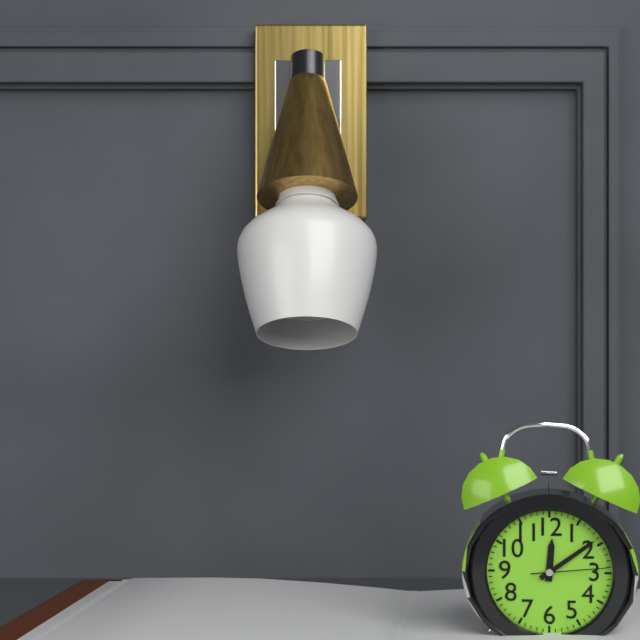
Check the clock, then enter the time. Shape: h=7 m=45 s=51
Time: h=12 m=9 s=14
